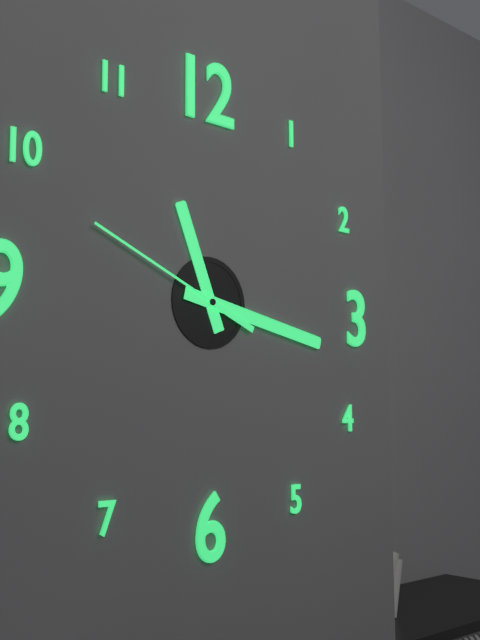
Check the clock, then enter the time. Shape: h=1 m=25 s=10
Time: h=11 m=17 s=49
